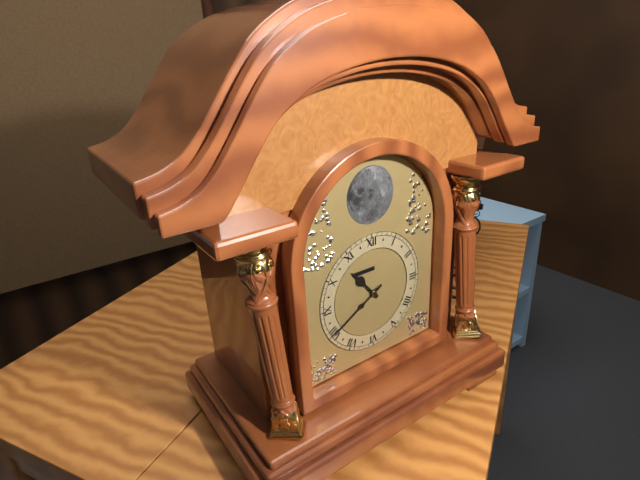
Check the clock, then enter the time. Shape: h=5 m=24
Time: h=10 m=40
